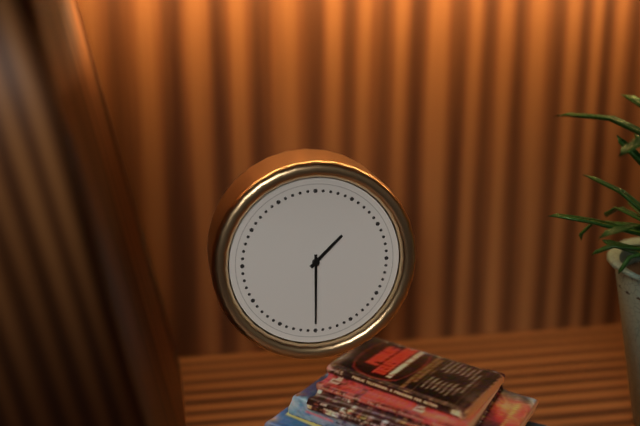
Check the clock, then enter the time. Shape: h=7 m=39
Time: h=1 m=30
